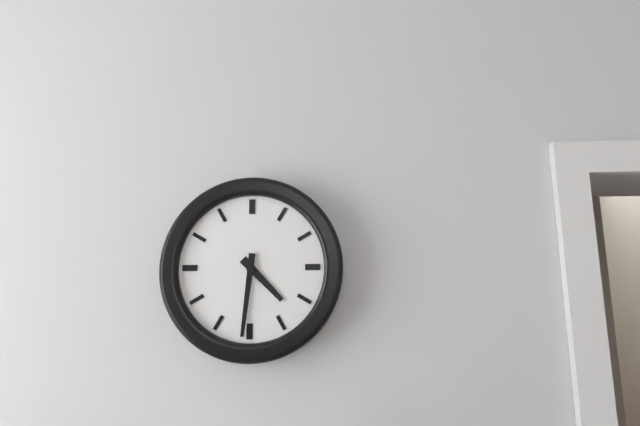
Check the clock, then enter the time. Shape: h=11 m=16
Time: h=4 m=31
